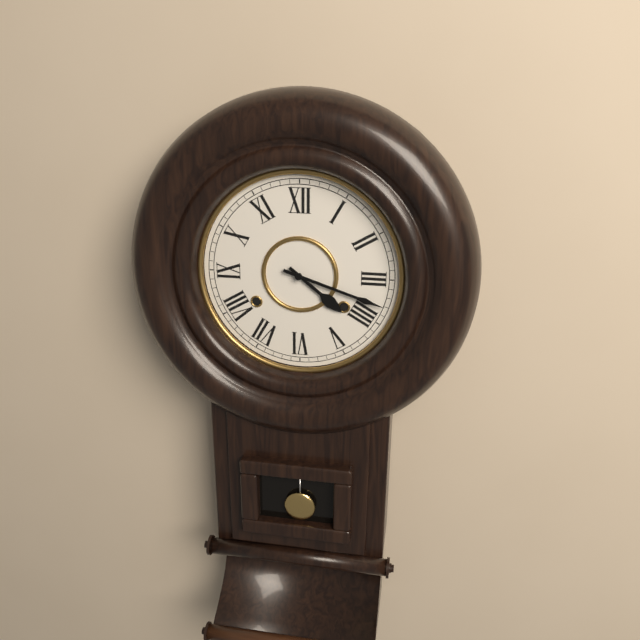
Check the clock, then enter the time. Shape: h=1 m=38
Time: h=4 m=18
